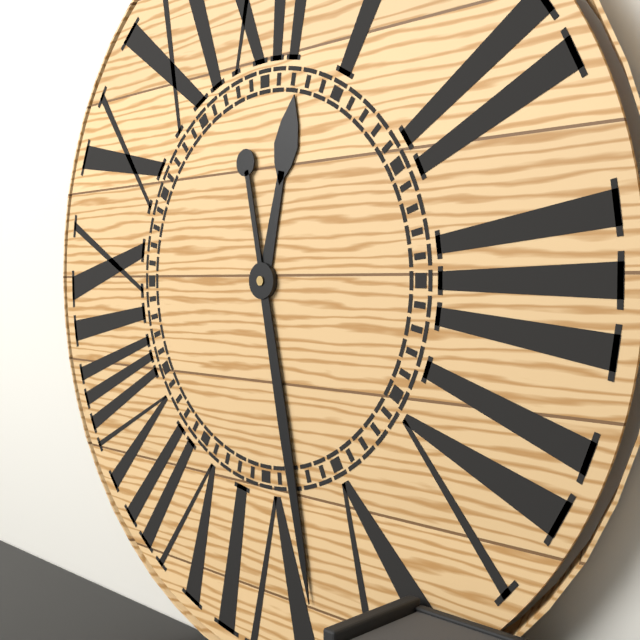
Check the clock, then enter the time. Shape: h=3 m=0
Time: h=12 m=28
